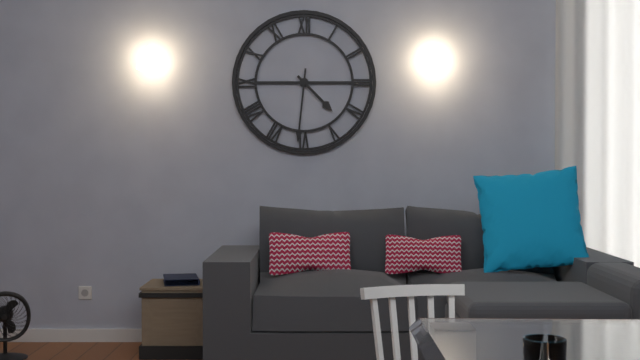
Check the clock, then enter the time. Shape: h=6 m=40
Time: h=4 m=31
